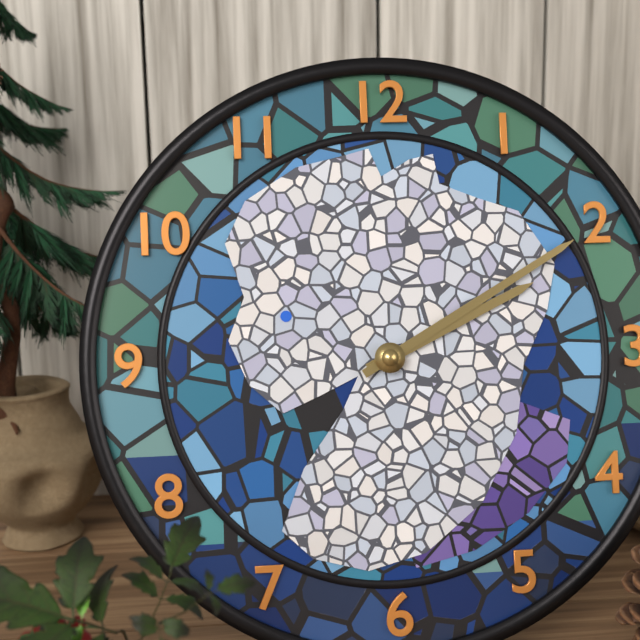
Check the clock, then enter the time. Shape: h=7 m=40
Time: h=2 m=10
